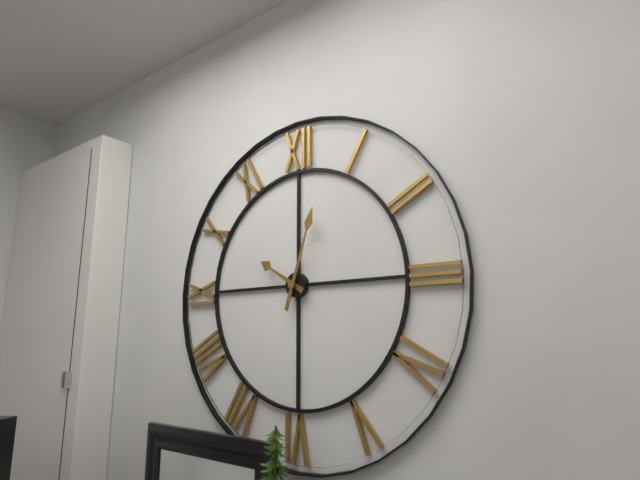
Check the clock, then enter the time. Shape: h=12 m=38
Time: h=10 m=3
